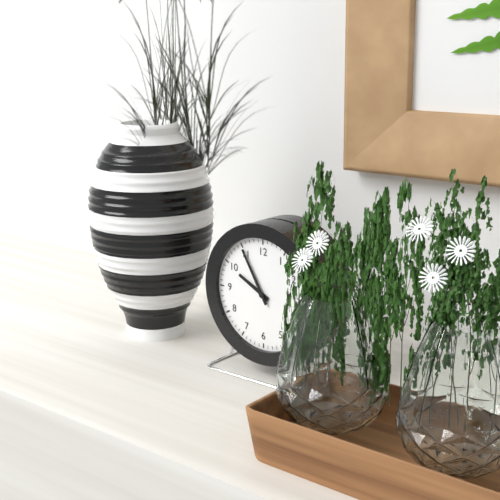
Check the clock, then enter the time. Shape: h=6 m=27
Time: h=9 m=55
